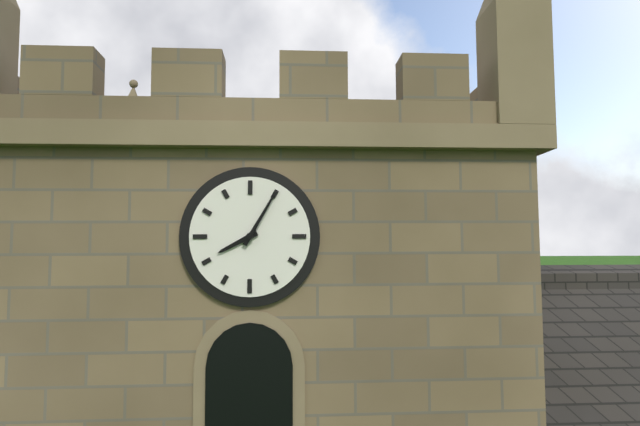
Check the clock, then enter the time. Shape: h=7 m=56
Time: h=8 m=5
